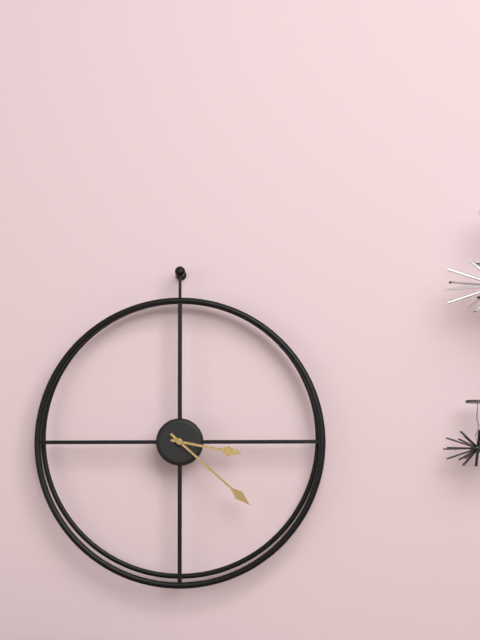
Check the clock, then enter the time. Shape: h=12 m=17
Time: h=3 m=22
